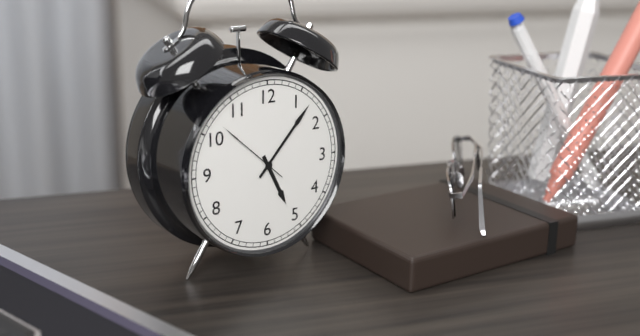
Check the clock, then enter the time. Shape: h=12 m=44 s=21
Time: h=5 m=7 s=52
